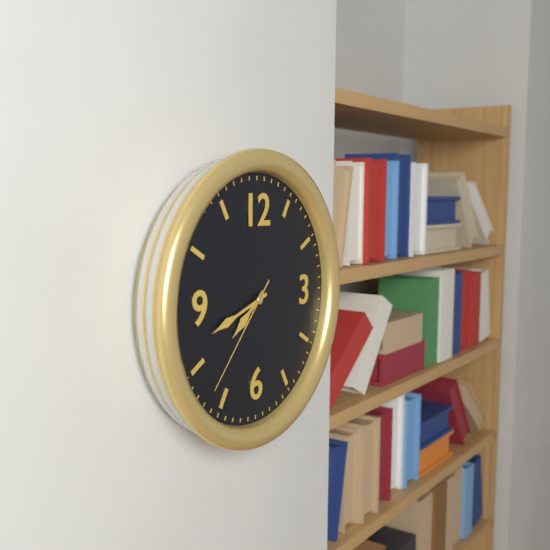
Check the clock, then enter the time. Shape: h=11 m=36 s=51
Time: h=7 m=42 s=37
